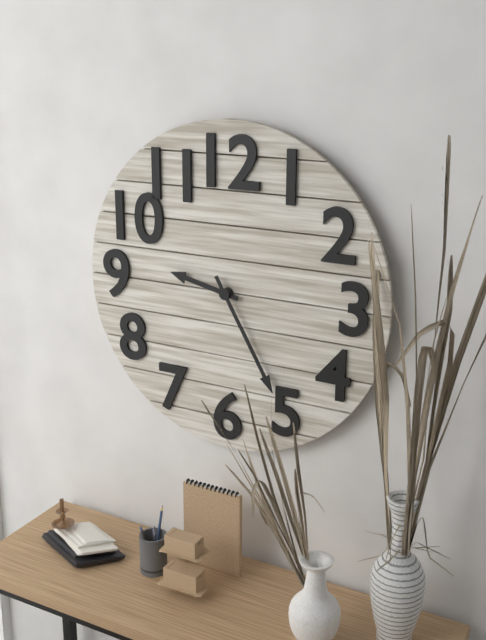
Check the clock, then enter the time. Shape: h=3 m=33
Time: h=9 m=25
